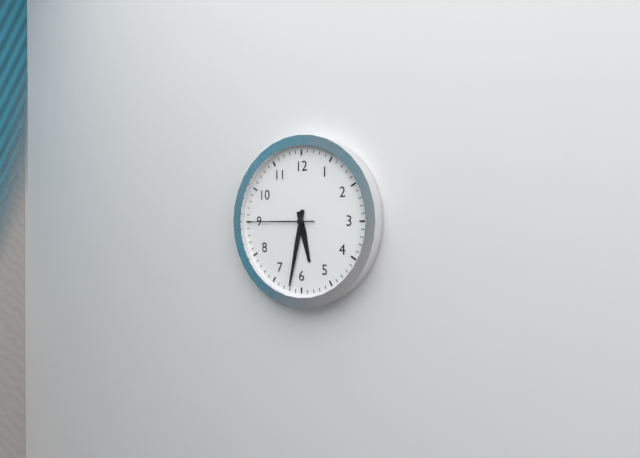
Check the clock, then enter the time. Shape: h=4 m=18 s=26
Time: h=5 m=32 s=45
